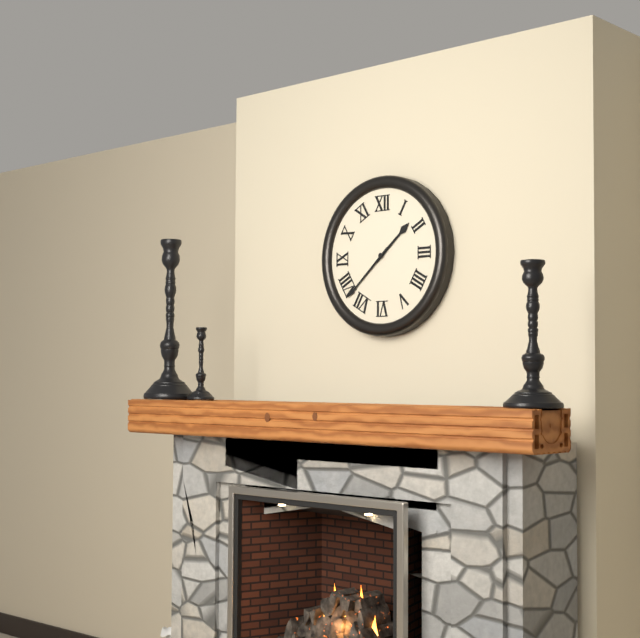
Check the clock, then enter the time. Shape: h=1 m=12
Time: h=1 m=38
